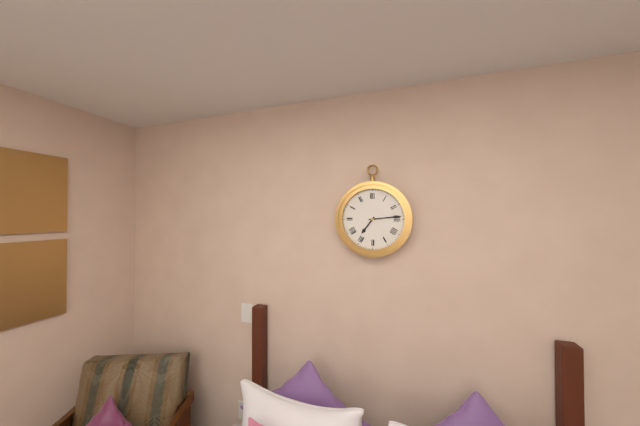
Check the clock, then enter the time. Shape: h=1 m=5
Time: h=7 m=14
